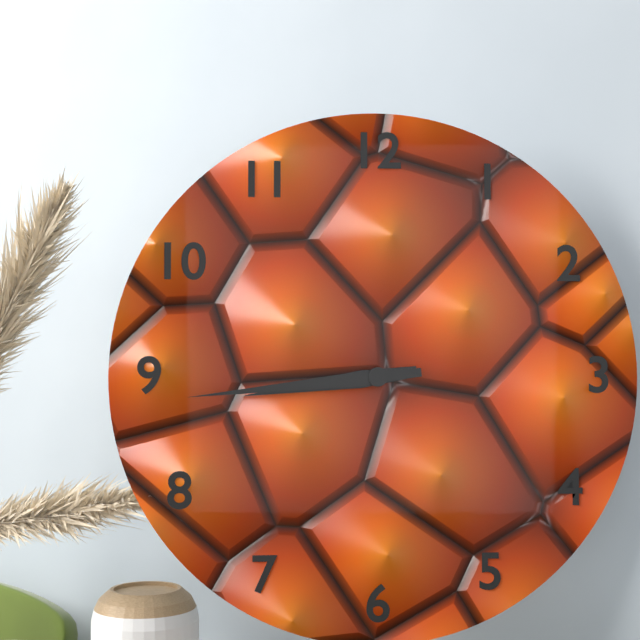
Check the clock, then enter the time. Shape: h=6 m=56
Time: h=8 m=44
